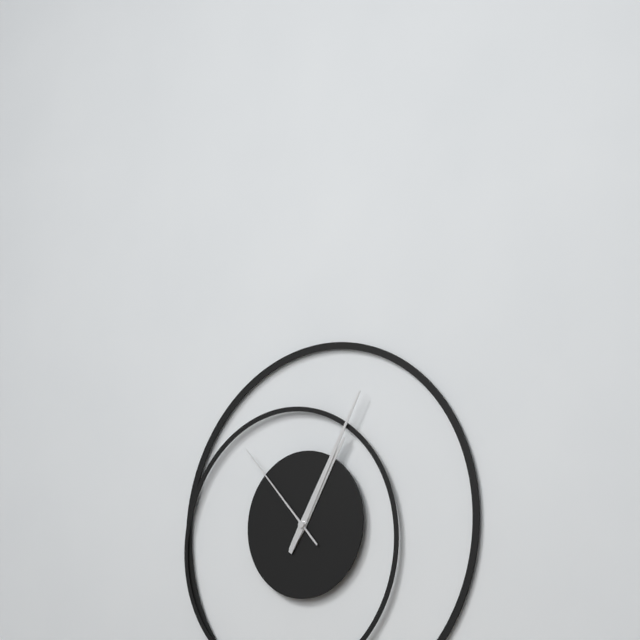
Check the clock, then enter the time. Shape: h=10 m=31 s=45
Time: h=1 m=5 s=53
